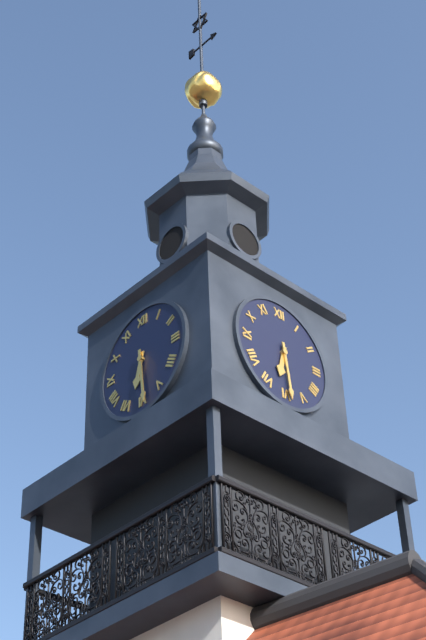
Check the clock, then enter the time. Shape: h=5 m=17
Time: h=6 m=29
